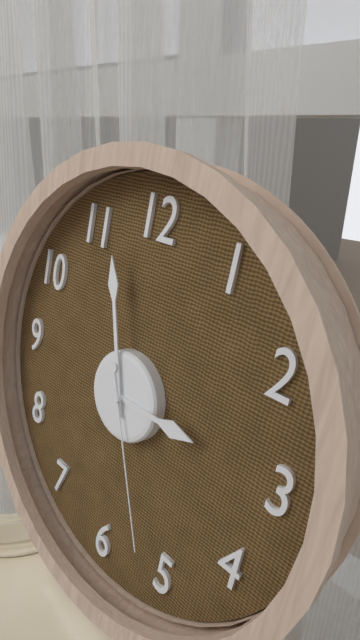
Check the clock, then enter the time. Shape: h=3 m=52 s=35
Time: h=2 m=57 s=26
